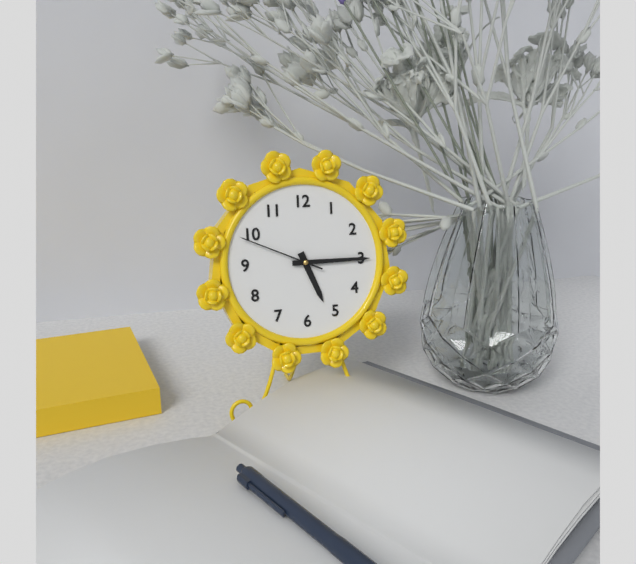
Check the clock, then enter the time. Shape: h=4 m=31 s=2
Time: h=5 m=15 s=49
